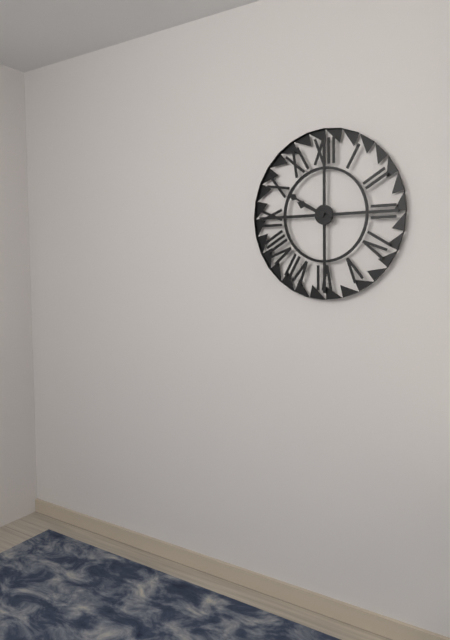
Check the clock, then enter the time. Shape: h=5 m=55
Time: h=9 m=50
